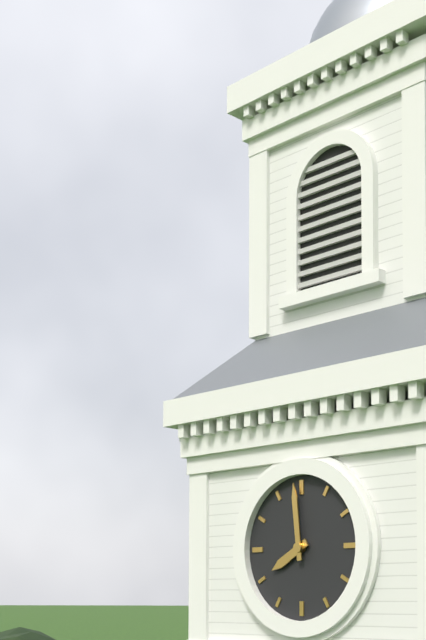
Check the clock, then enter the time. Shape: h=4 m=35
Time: h=7 m=59
